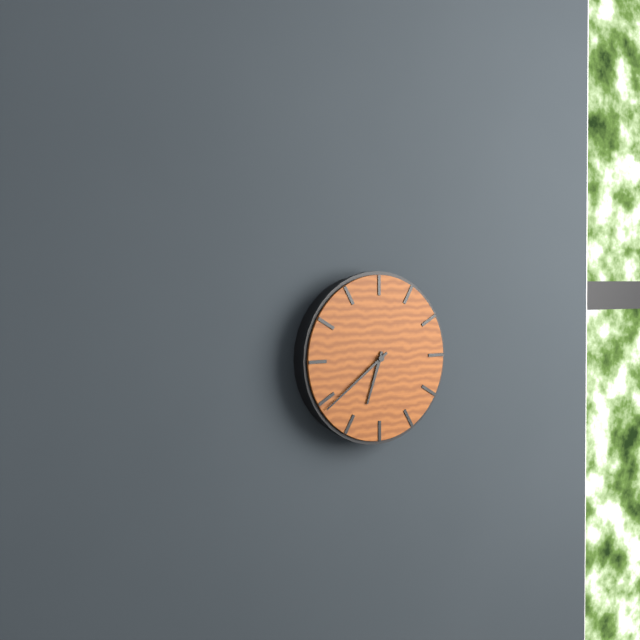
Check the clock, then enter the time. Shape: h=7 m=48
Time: h=6 m=39
